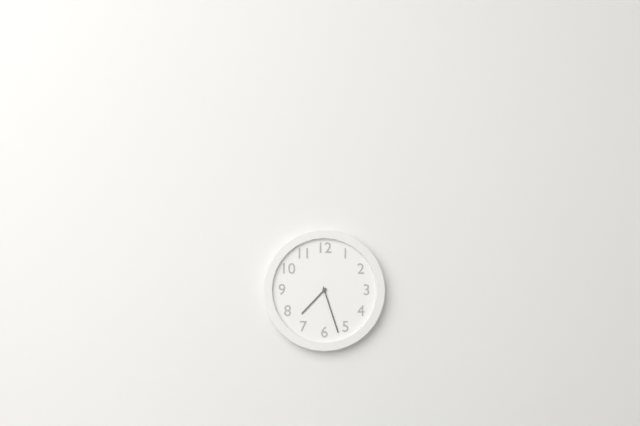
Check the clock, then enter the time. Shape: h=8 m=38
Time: h=7 m=27
